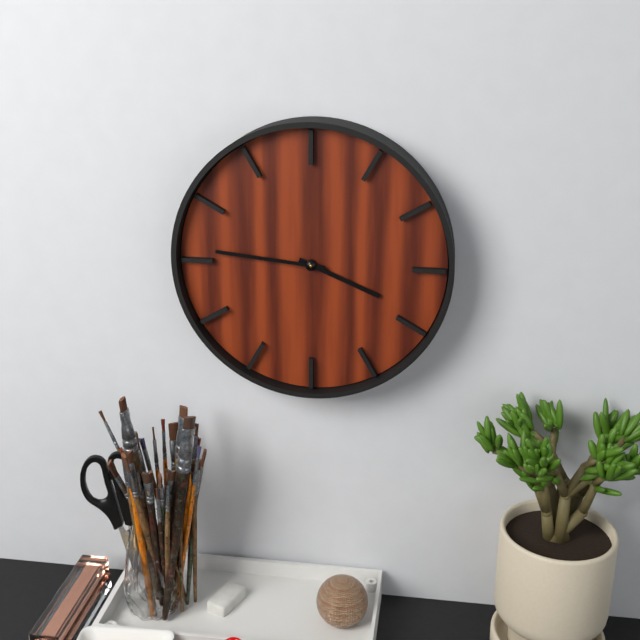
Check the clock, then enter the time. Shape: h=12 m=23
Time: h=3 m=46
